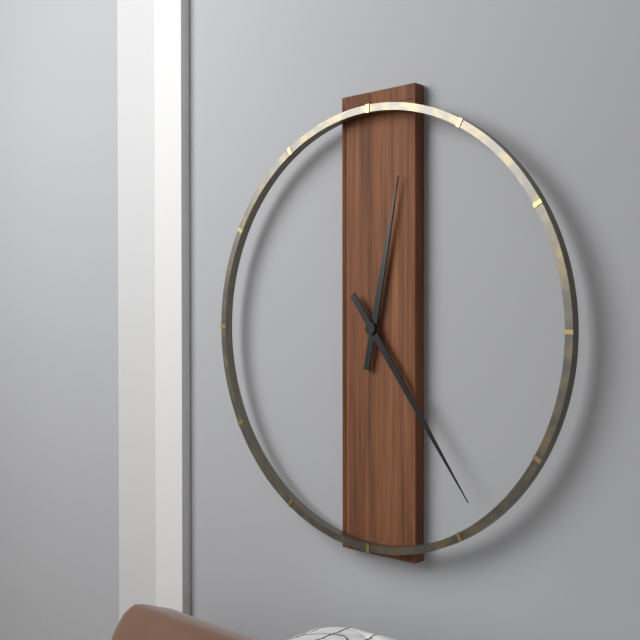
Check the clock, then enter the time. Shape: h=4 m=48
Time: h=12 m=24
